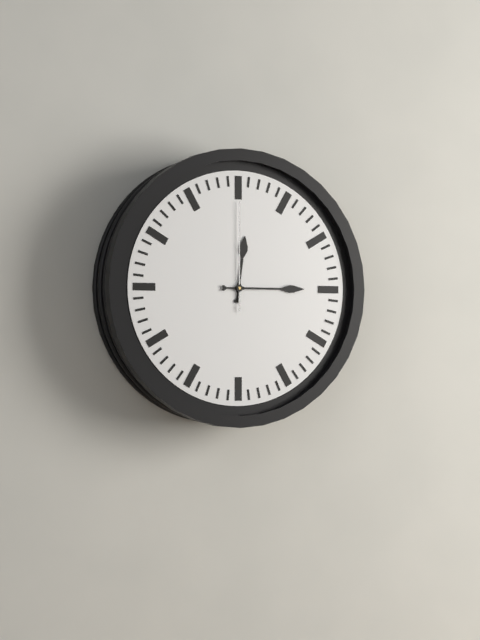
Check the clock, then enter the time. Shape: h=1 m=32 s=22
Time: h=12 m=15 s=0
